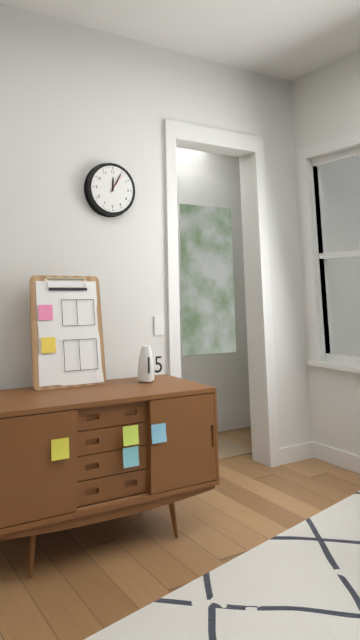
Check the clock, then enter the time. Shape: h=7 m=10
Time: h=12 m=5
